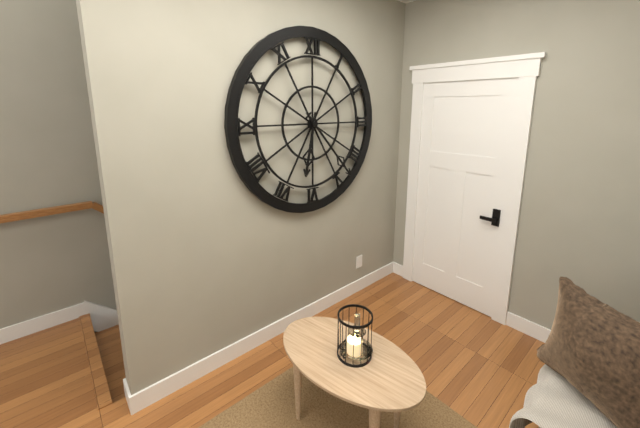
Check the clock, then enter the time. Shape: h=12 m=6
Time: h=6 m=23
